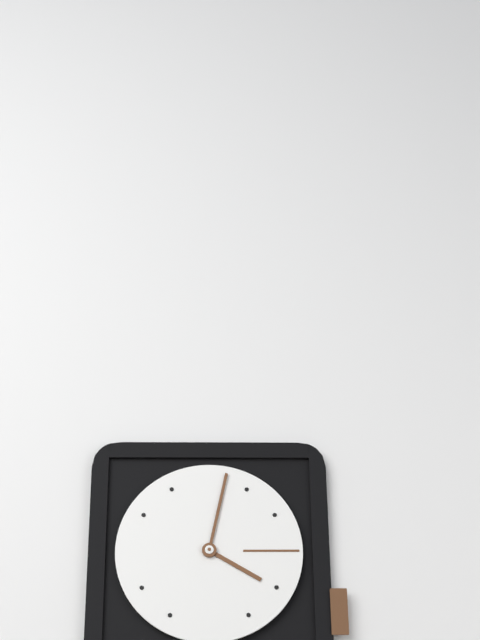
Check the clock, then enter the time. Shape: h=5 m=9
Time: h=4 m=2
